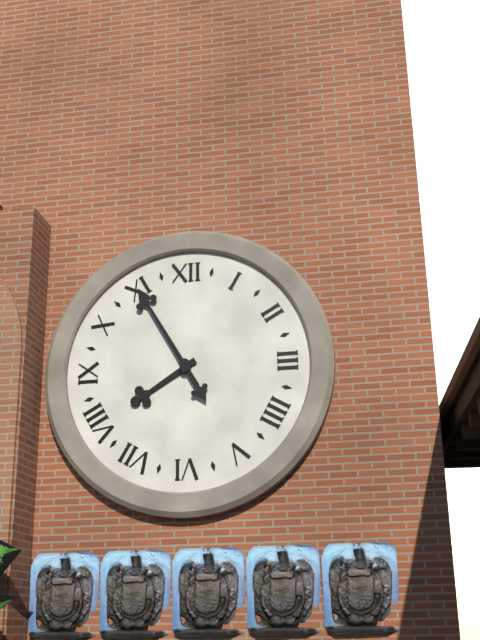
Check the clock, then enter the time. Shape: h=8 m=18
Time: h=7 m=55
